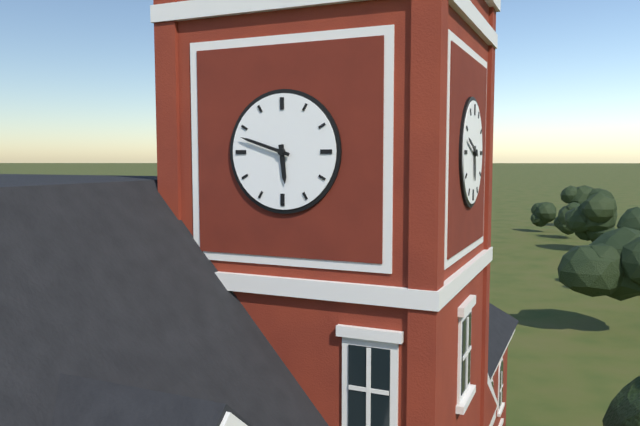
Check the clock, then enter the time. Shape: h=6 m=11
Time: h=5 m=48
